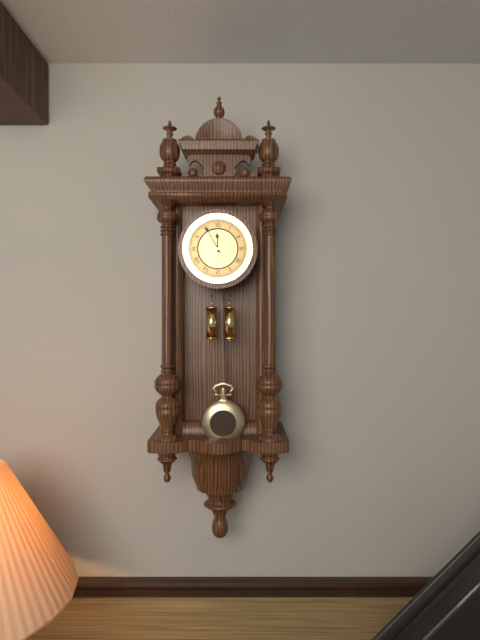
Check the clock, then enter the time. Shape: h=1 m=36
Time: h=11 m=55
